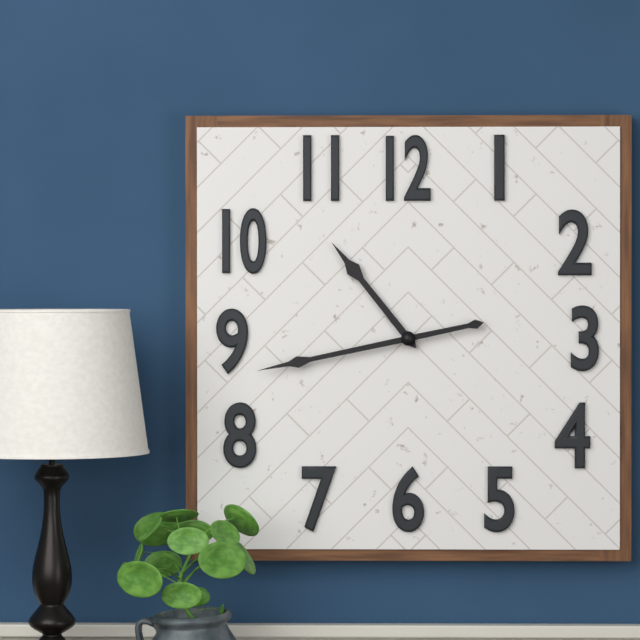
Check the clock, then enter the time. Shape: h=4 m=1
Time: h=10 m=43
